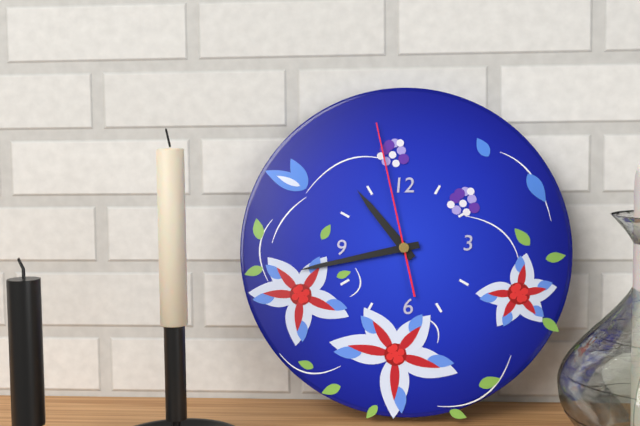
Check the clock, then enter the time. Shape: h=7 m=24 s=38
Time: h=10 m=43 s=58
